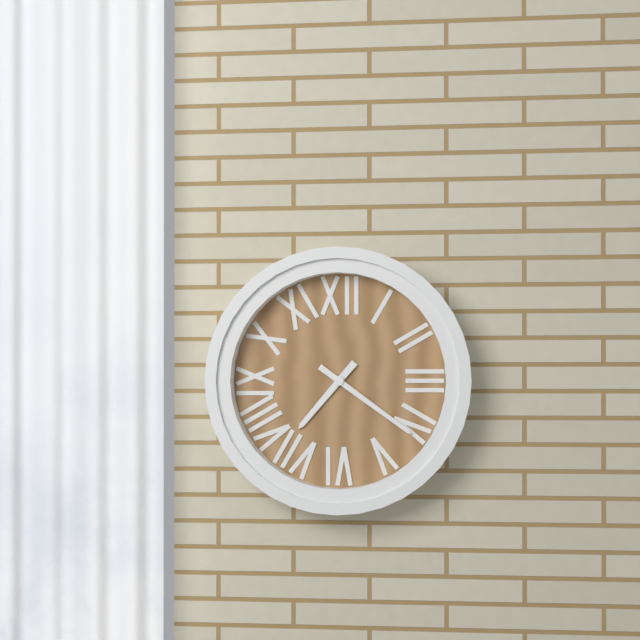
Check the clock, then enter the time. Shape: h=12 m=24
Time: h=7 m=21
